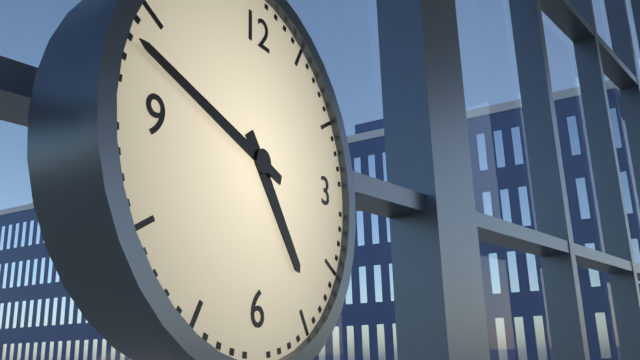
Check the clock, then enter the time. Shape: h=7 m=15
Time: h=4 m=48
